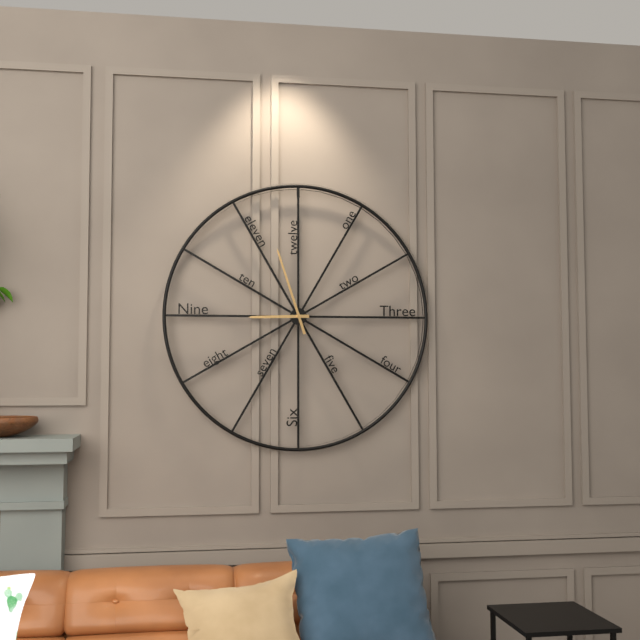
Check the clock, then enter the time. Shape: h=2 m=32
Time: h=8 m=57
